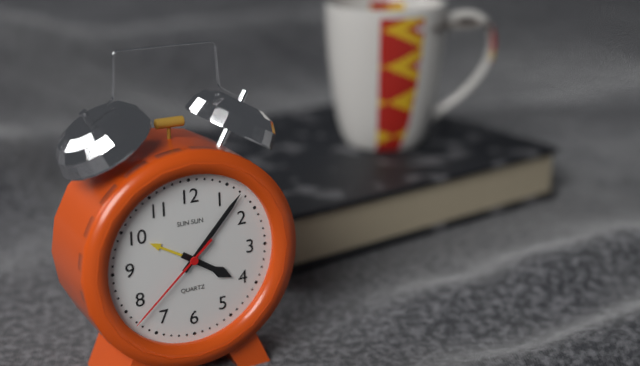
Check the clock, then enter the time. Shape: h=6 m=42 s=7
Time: h=4 m=7 s=38
